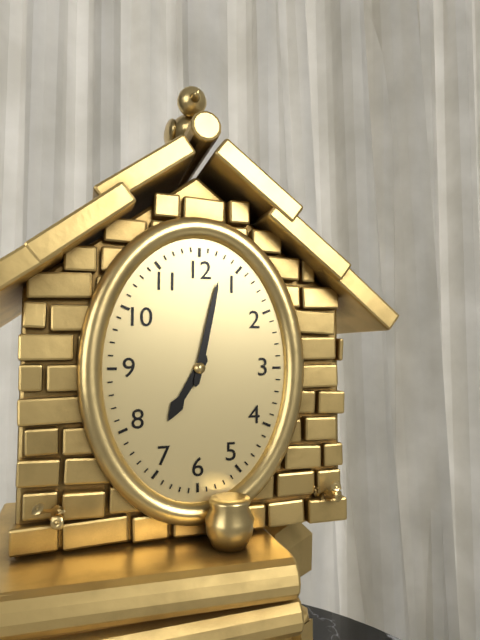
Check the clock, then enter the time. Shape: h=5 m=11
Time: h=7 m=2
